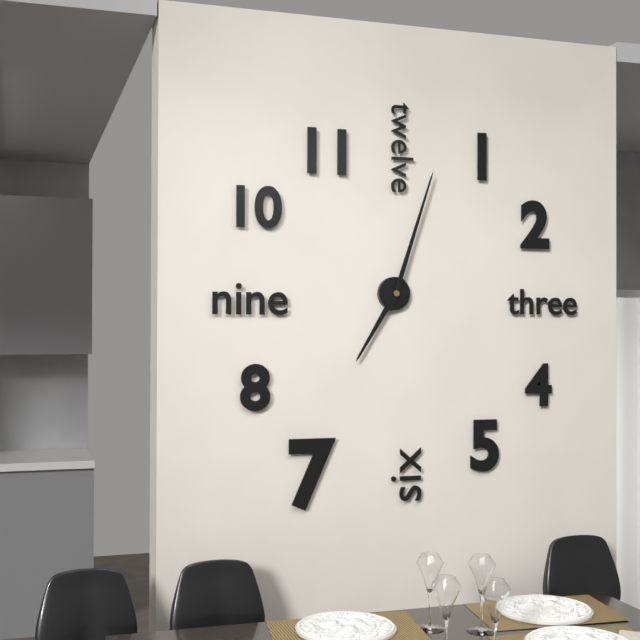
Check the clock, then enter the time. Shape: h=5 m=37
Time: h=7 m=3
